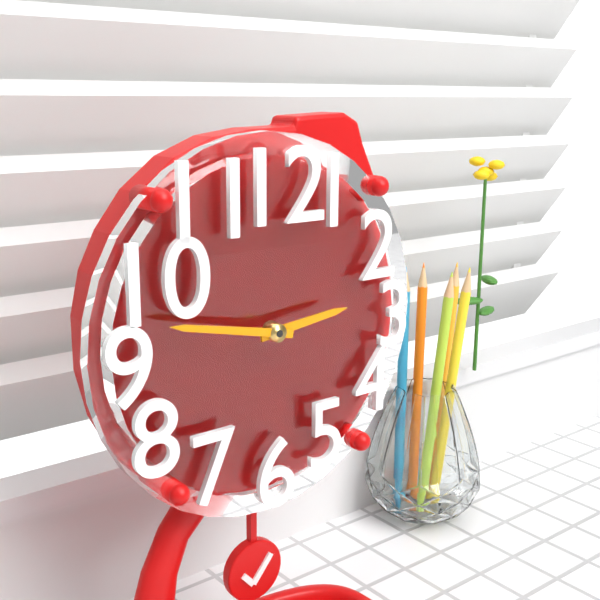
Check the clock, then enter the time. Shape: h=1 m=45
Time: h=2 m=47
